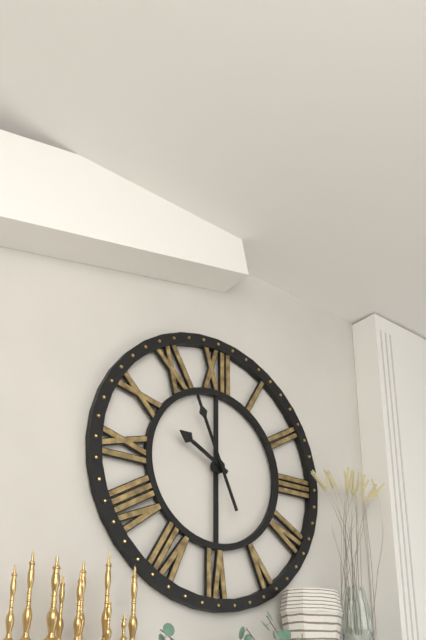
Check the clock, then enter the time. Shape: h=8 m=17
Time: h=9 m=56
